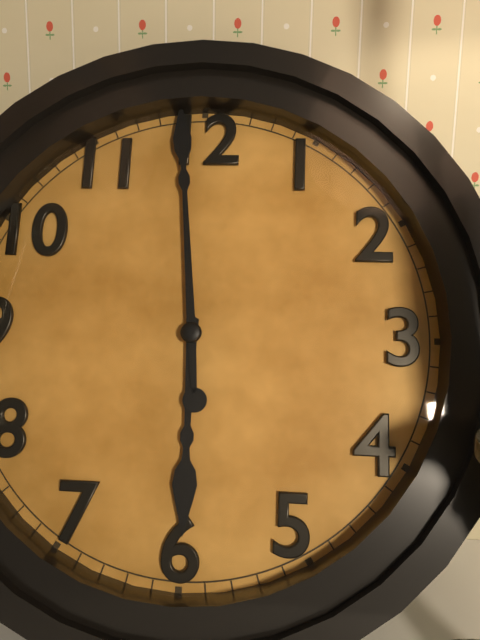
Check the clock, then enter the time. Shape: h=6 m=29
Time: h=5 m=59
